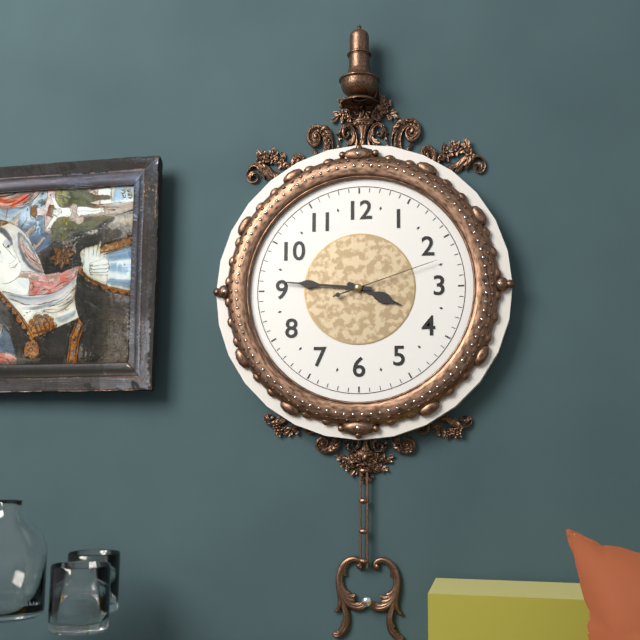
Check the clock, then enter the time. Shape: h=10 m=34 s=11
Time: h=3 m=46 s=12
